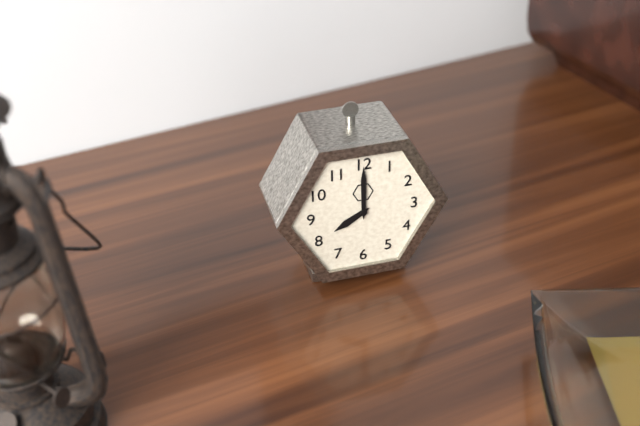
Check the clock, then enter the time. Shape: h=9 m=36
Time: h=8 m=0
